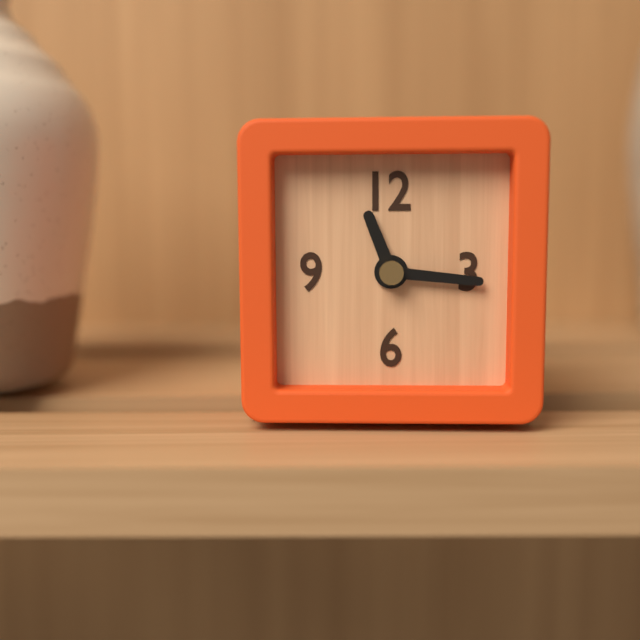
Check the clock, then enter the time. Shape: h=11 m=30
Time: h=11 m=16
